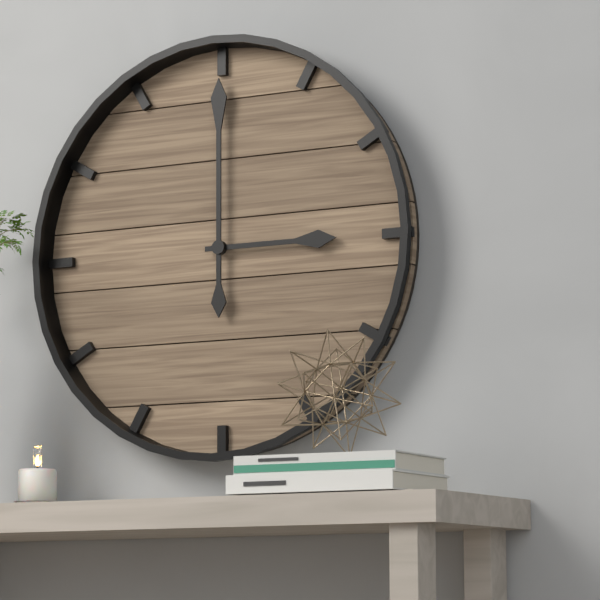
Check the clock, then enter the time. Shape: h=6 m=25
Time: h=3 m=0
